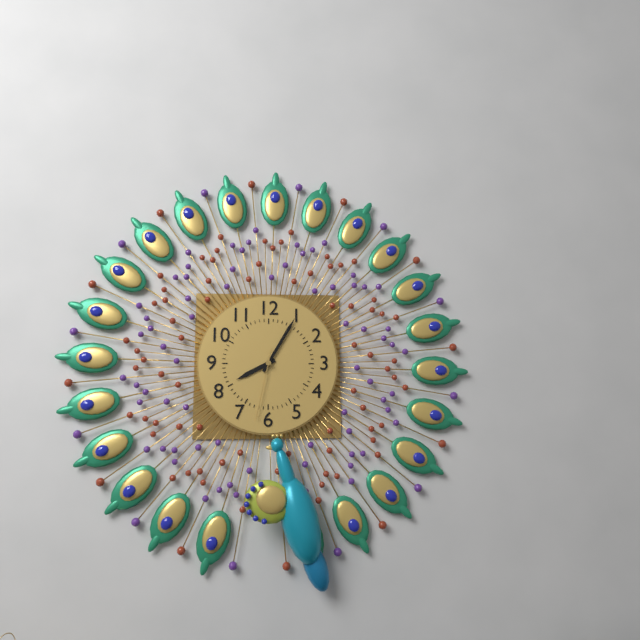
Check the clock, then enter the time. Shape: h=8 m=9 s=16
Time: h=8 m=5 s=32
